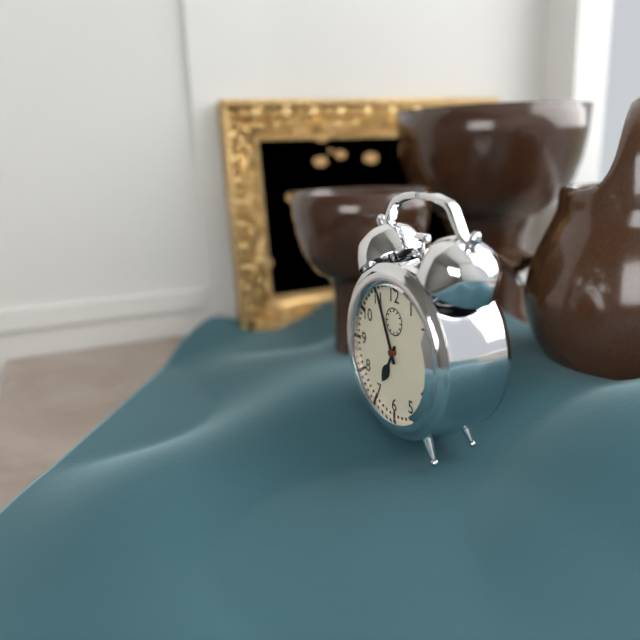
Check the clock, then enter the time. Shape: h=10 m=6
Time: h=6 m=56
